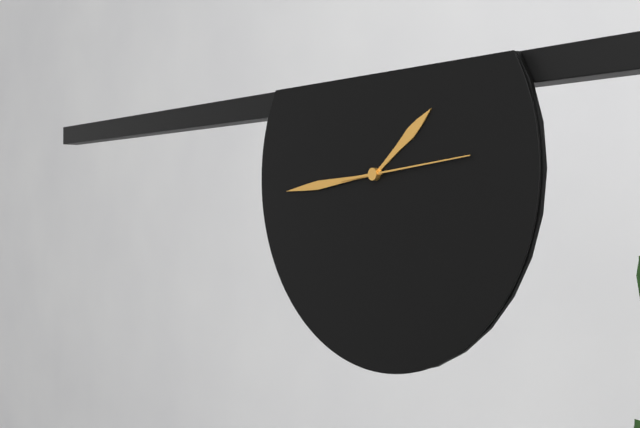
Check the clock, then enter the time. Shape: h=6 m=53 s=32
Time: h=1 m=44 s=14
